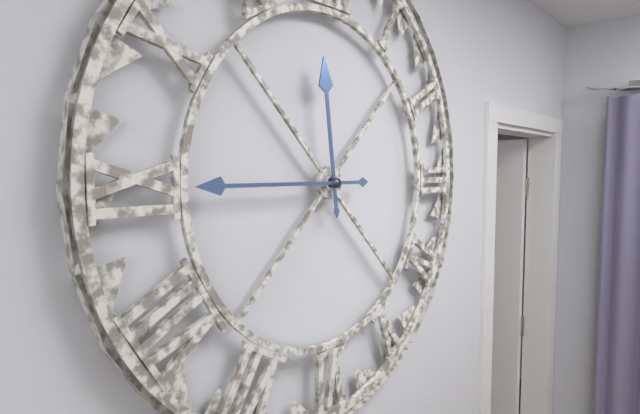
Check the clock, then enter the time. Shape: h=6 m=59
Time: h=11 m=45
